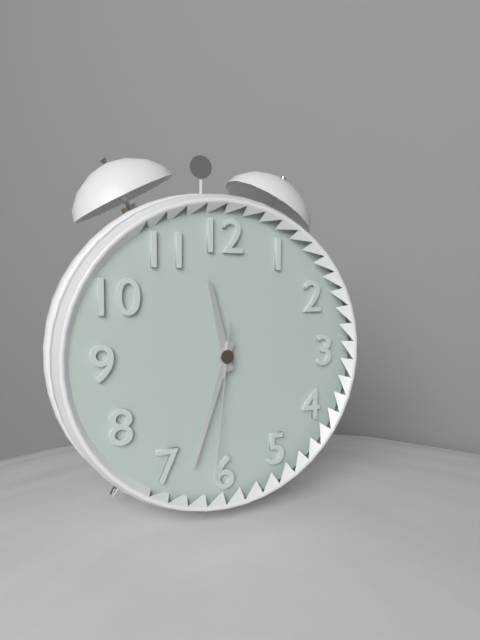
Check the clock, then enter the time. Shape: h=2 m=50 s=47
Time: h=11 m=33 s=31
